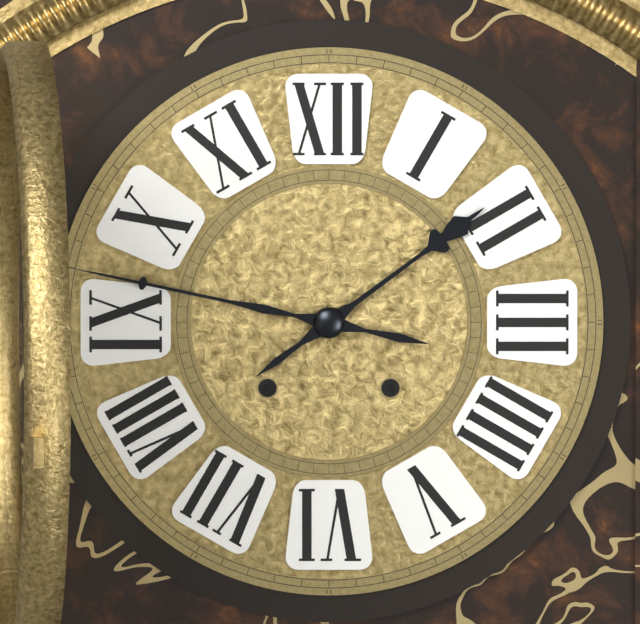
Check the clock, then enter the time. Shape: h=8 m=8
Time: h=1 m=47
